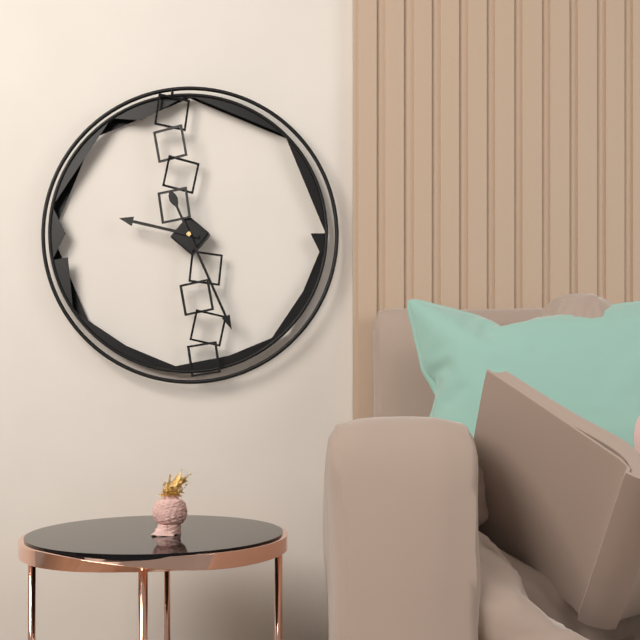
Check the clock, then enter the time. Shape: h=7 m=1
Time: h=9 m=26
